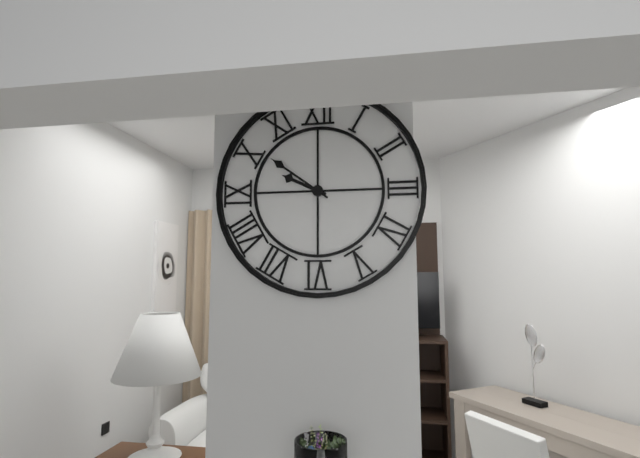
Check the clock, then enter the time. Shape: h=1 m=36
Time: h=9 m=51
